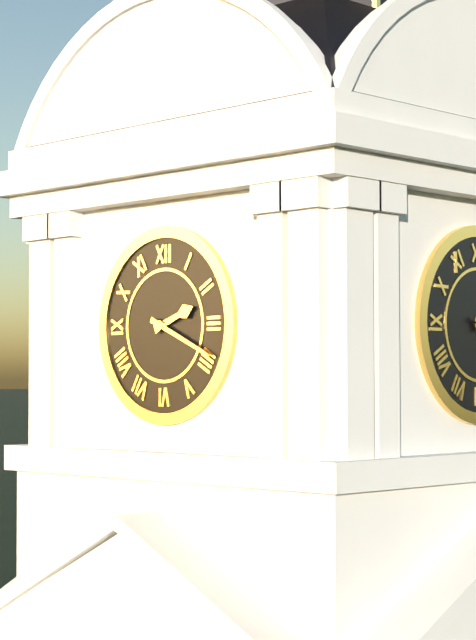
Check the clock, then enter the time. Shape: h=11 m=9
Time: h=2 m=19
